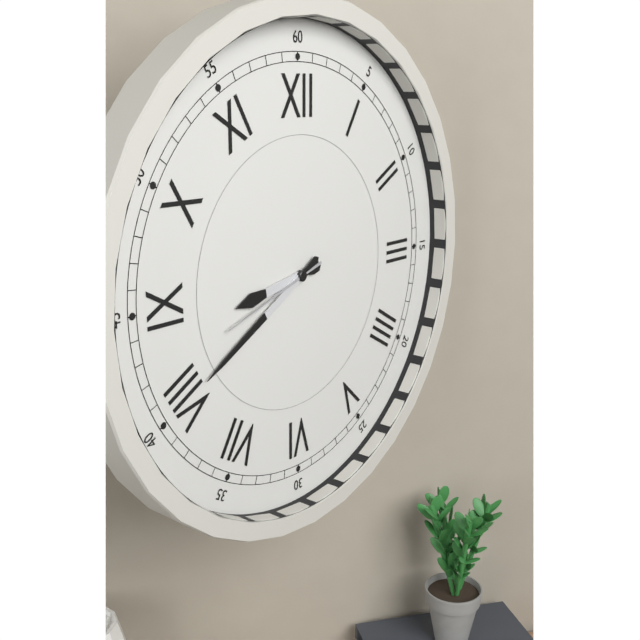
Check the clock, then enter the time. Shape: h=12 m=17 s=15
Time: h=8 m=40 s=42
